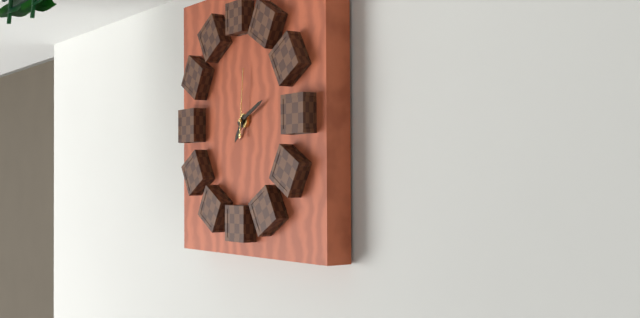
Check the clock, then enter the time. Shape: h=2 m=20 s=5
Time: h=7 m=11 s=1
